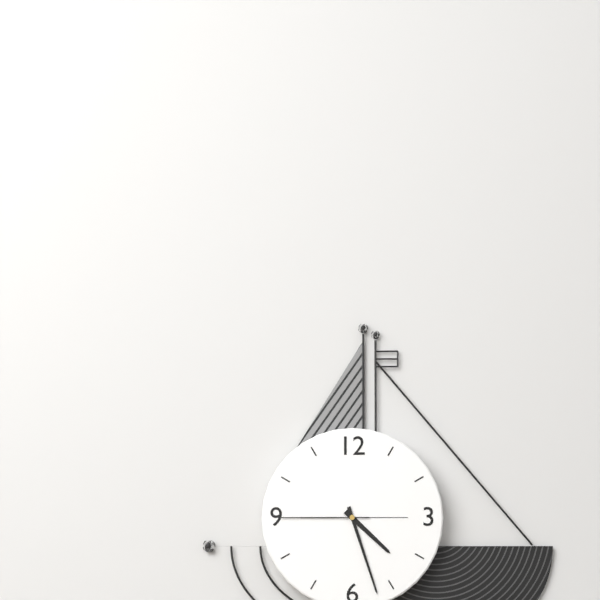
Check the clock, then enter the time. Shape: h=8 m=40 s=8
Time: h=4 m=27 s=45
